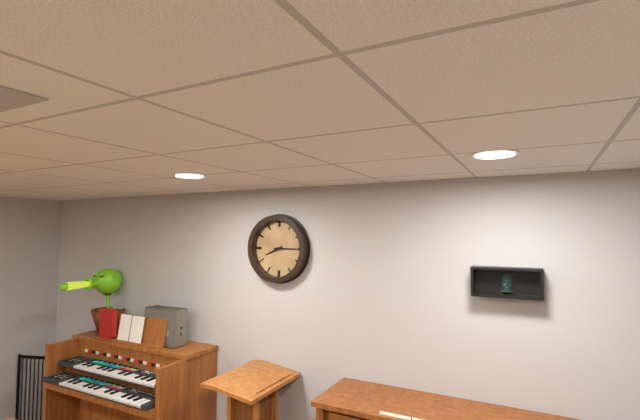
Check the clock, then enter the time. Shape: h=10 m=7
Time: h=8 m=15
